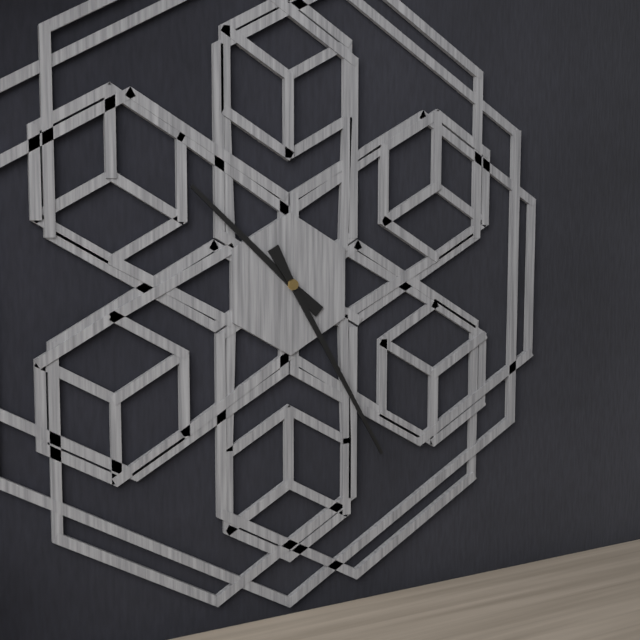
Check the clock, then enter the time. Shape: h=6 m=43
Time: h=10 m=25
